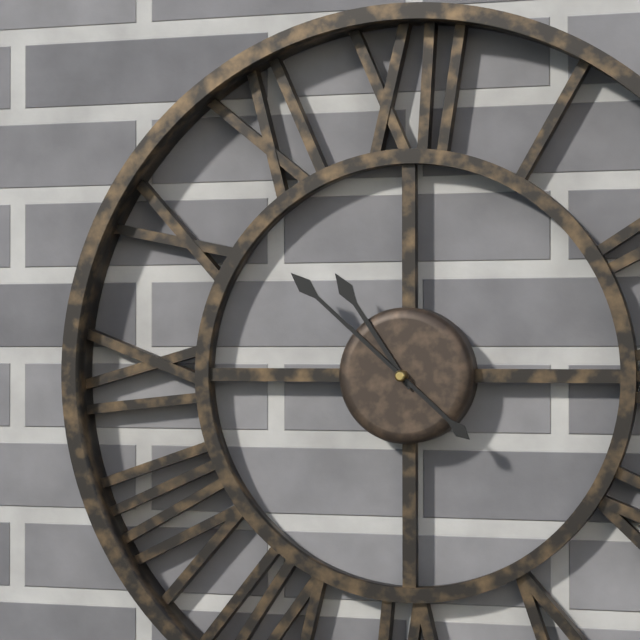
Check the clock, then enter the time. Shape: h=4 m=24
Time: h=10 m=52
